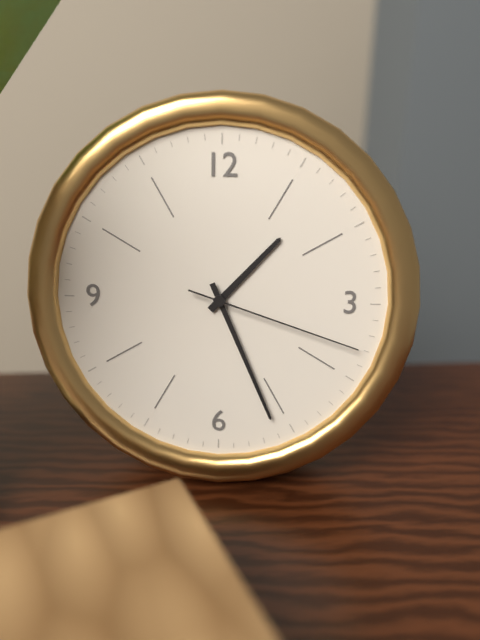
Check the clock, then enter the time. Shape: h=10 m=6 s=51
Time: h=1 m=26 s=18
